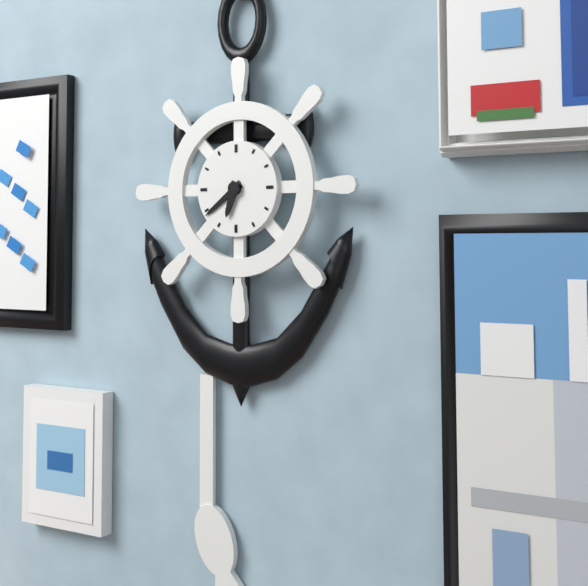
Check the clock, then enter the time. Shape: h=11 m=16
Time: h=6 m=39
